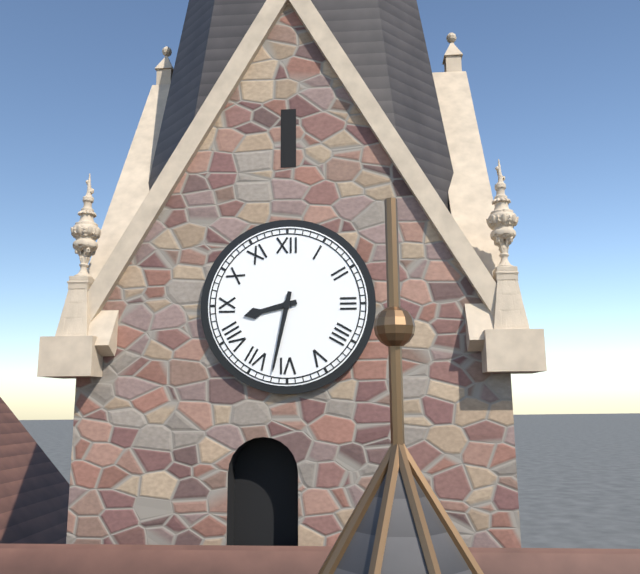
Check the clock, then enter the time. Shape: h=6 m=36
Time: h=8 m=32
